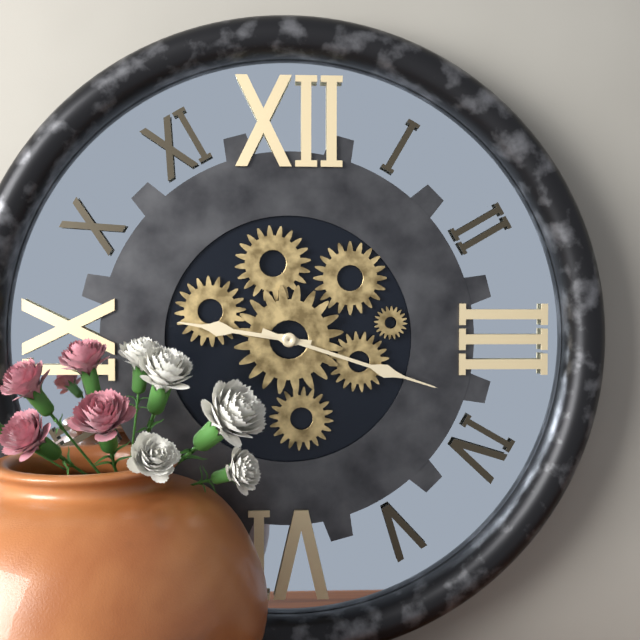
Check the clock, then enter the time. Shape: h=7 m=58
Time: h=9 m=18
